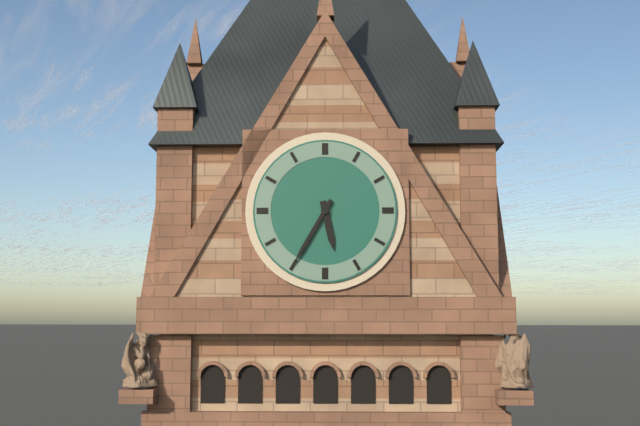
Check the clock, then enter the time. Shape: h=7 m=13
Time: h=5 m=35
